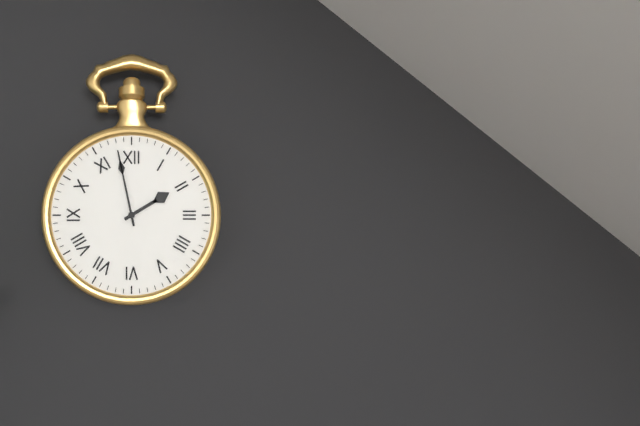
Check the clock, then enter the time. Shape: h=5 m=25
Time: h=1 m=58
